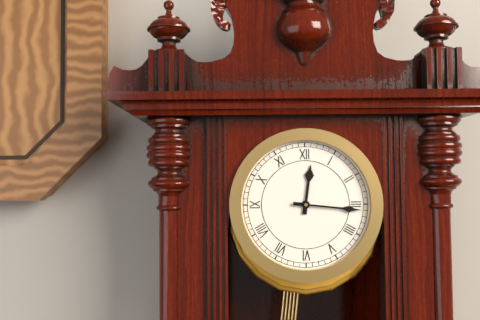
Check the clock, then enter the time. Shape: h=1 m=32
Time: h=12 m=16
